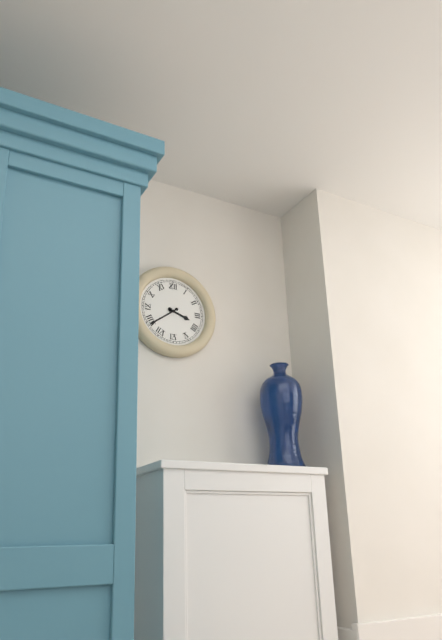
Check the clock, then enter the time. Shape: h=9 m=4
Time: h=3 m=39
